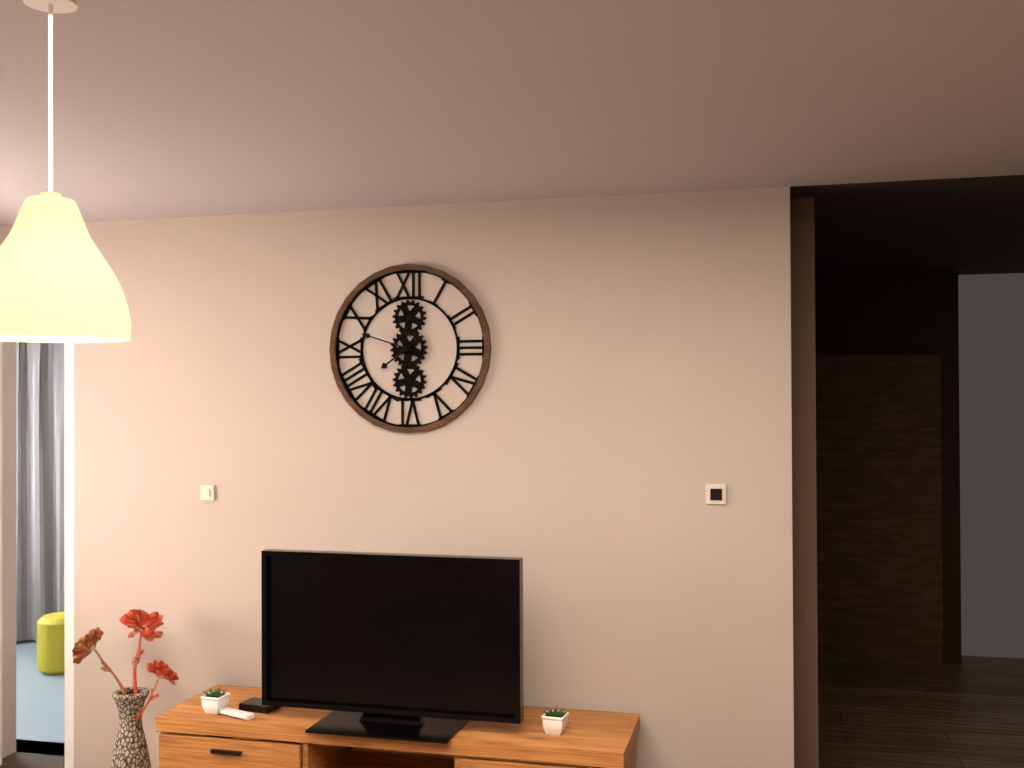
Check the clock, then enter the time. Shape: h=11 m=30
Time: h=7 m=48
